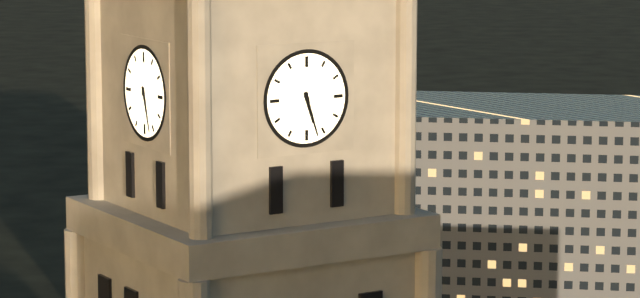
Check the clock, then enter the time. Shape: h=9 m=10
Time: h=5 m=27
